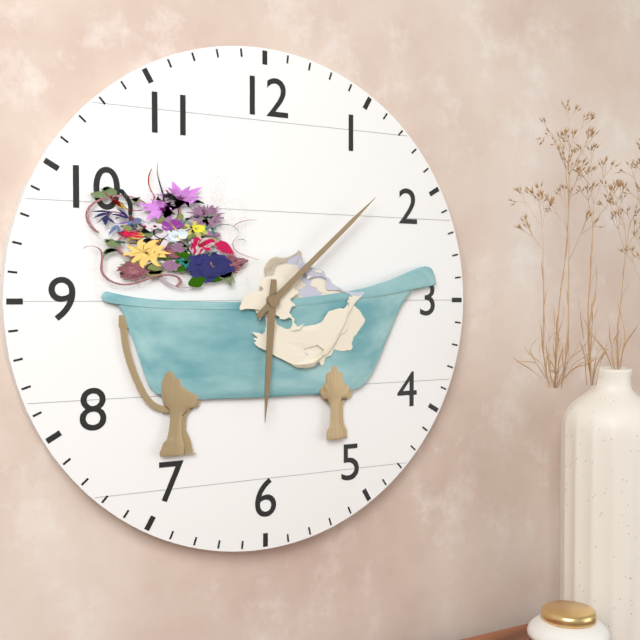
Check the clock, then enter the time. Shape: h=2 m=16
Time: h=6 m=8
